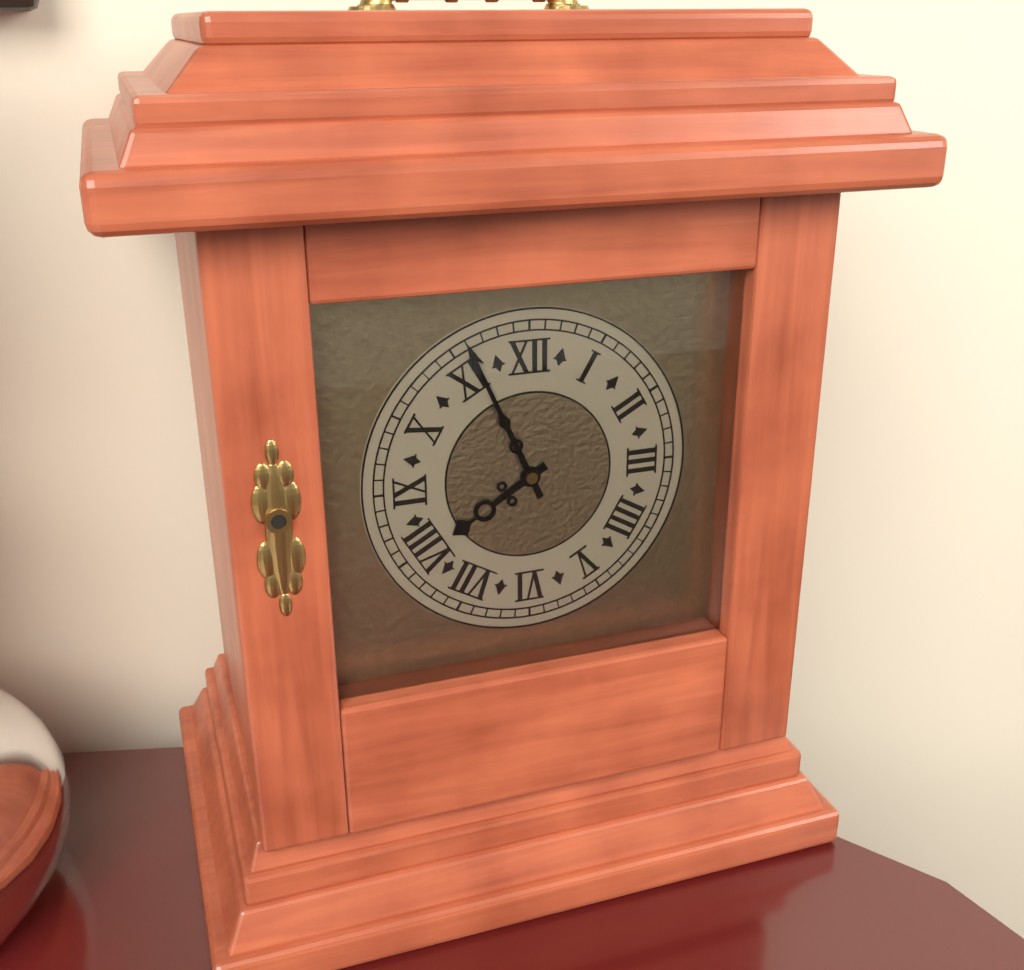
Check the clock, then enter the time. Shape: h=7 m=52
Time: h=7 m=56
